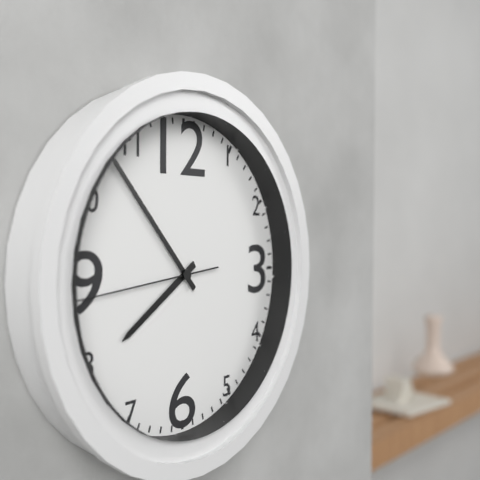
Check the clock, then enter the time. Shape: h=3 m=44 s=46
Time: h=7 m=53 s=44
